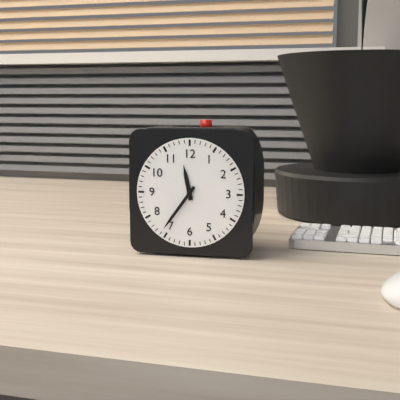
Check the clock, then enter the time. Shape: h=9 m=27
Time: h=11 m=36
